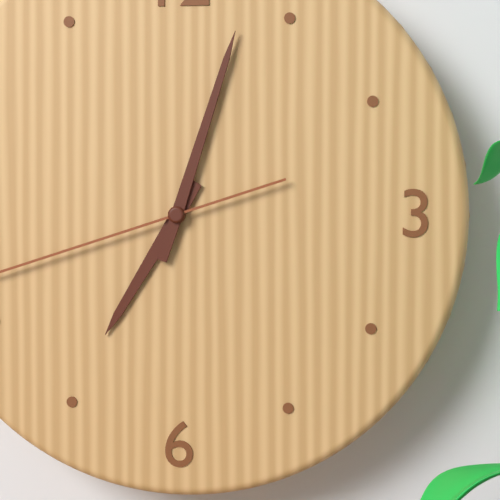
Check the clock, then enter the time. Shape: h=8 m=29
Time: h=7 m=3
